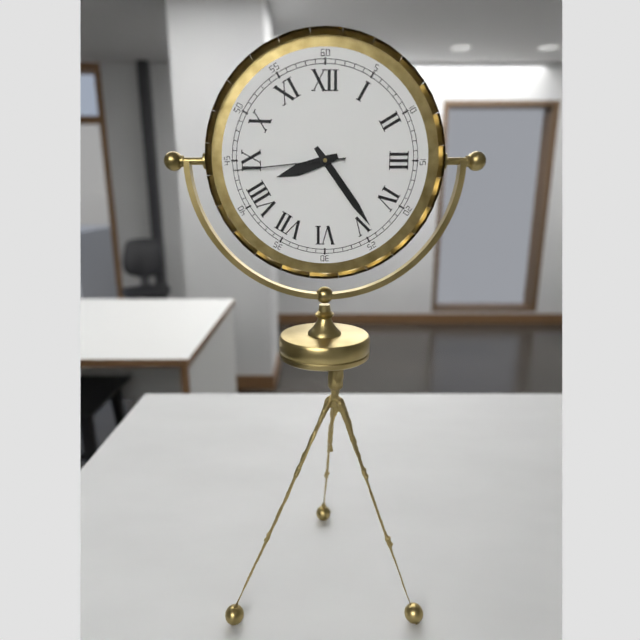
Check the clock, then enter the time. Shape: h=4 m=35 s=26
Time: h=8 m=24 s=44
